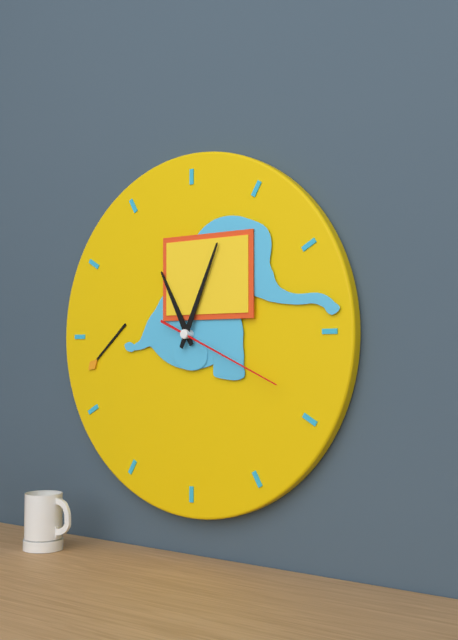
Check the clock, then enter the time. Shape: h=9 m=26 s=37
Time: h=11 m=4 s=19
